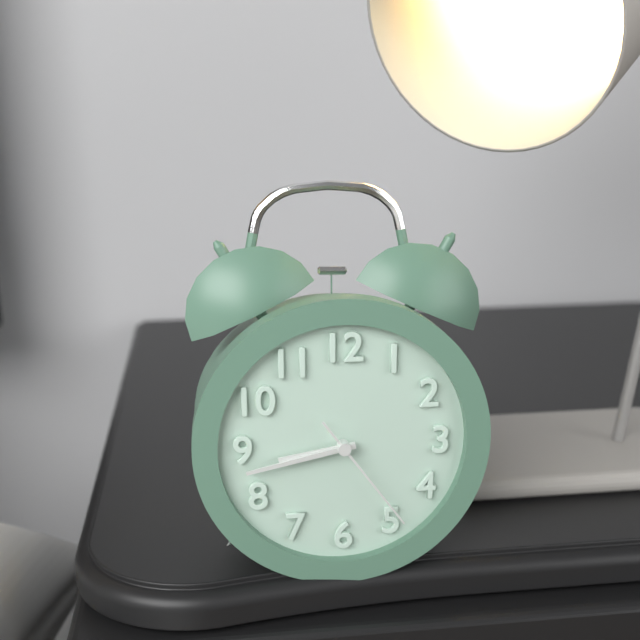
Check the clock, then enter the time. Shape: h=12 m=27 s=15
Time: h=8 m=43 s=24
